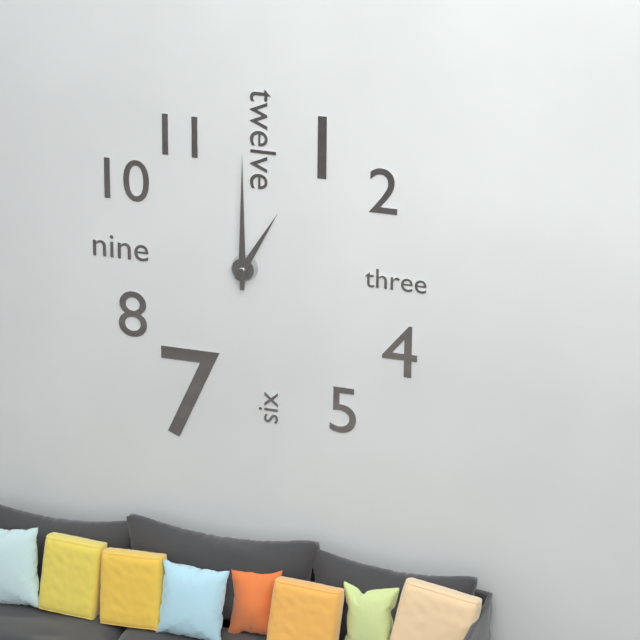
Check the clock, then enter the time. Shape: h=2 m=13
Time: h=1 m=0
